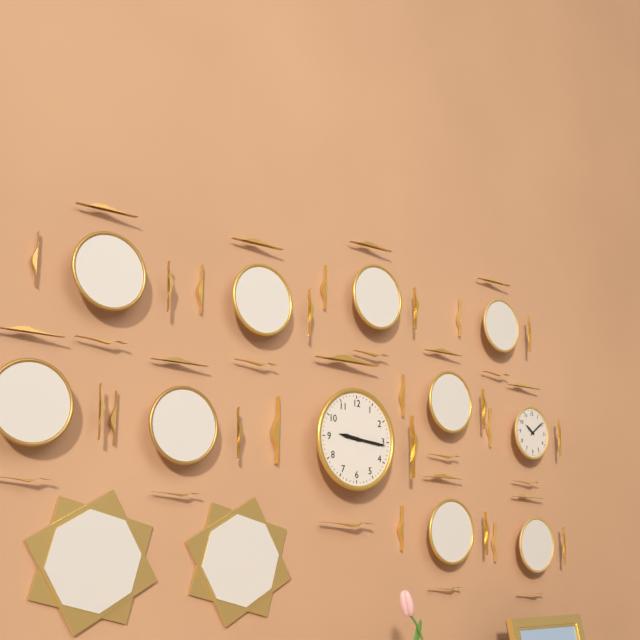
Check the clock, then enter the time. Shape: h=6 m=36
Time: h=9 m=16
